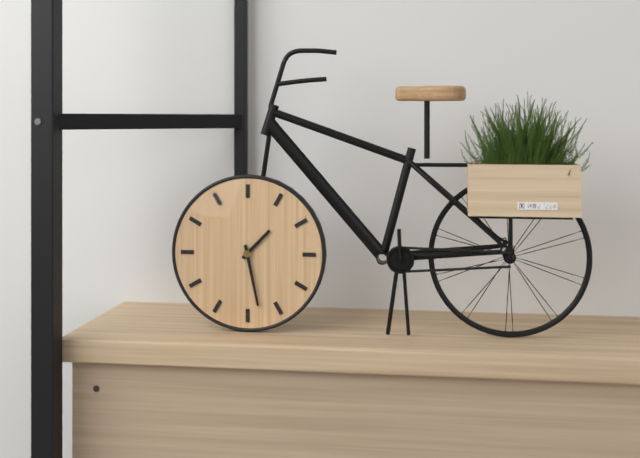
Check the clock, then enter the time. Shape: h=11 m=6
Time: h=1 m=28
